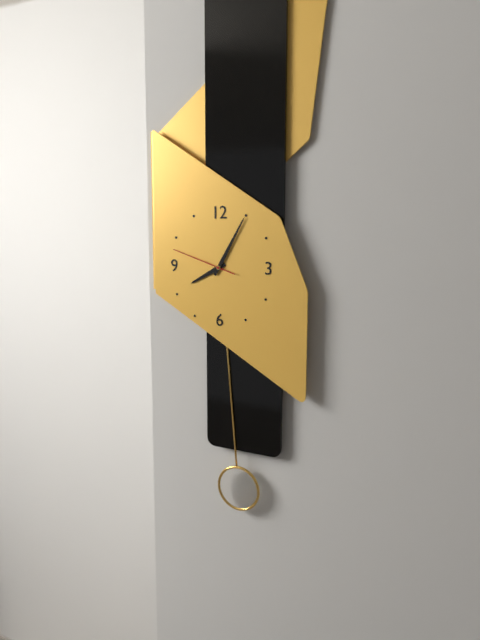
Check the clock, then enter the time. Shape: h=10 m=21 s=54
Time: h=8 m=5 s=48
